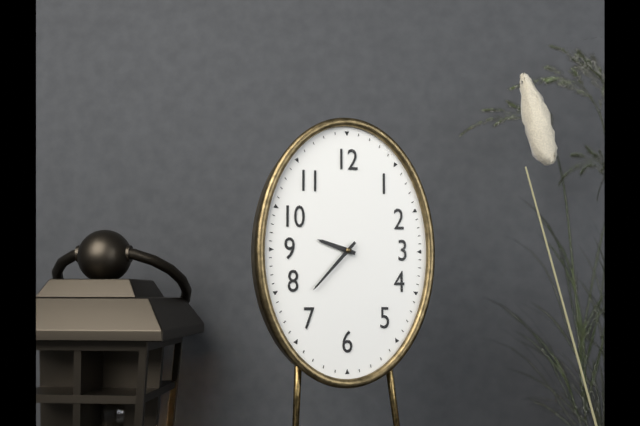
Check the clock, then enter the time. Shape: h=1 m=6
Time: h=9 m=37
